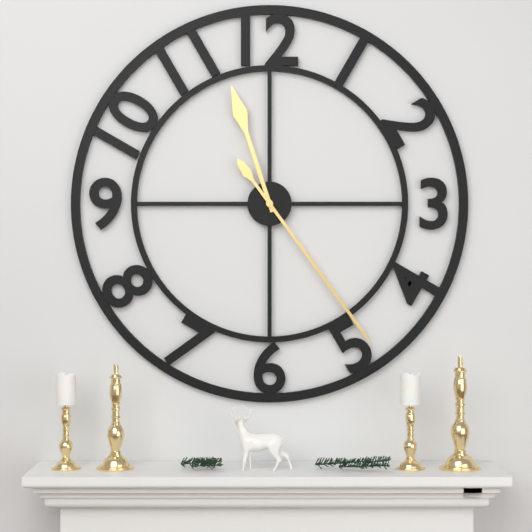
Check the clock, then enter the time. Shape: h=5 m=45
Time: h=11 m=24
